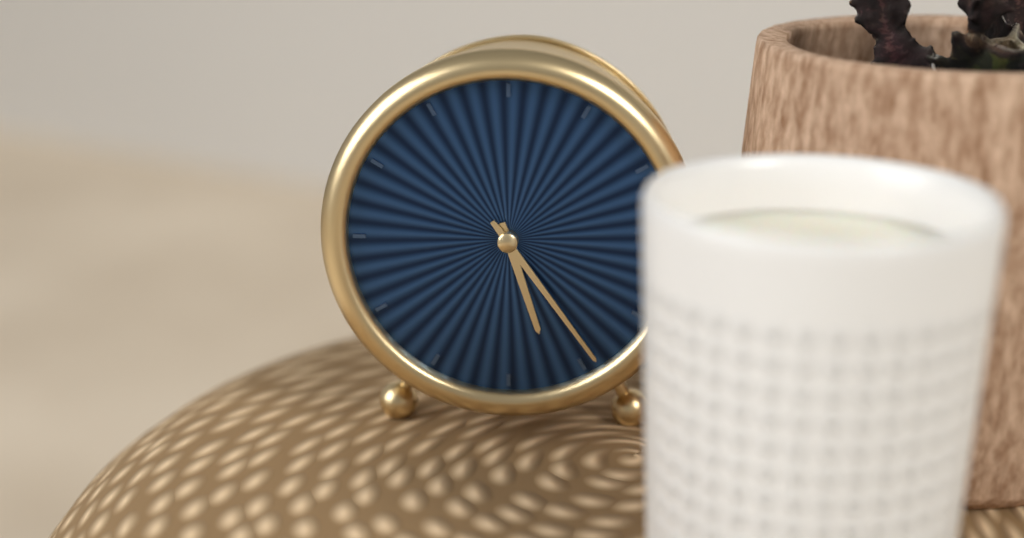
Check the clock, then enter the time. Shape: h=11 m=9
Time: h=5 m=24
